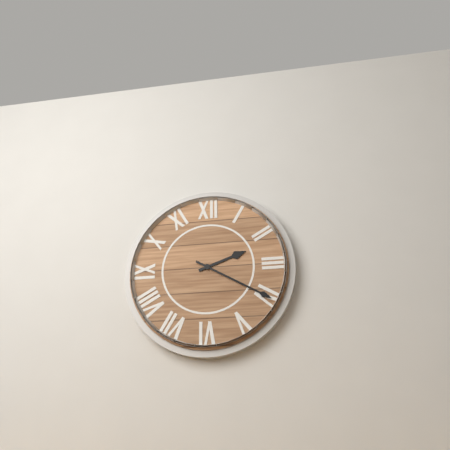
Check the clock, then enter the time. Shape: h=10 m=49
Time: h=2 m=20
